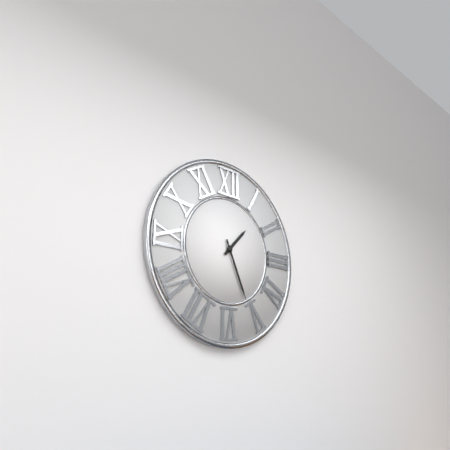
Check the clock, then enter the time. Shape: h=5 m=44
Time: h=1 m=26
